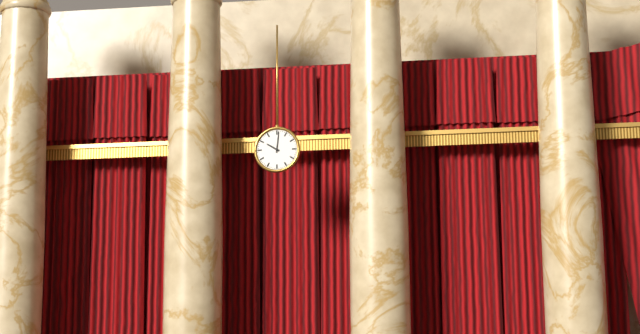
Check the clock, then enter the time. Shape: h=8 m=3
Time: h=10 m=1
